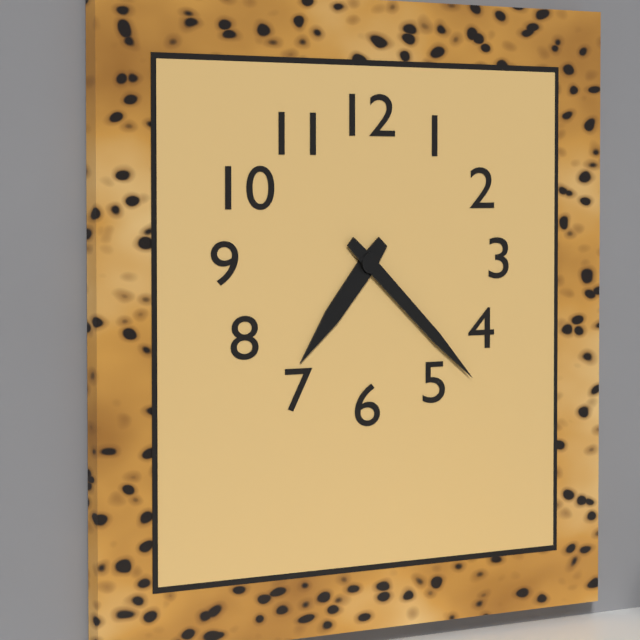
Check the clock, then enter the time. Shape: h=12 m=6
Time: h=7 m=22
